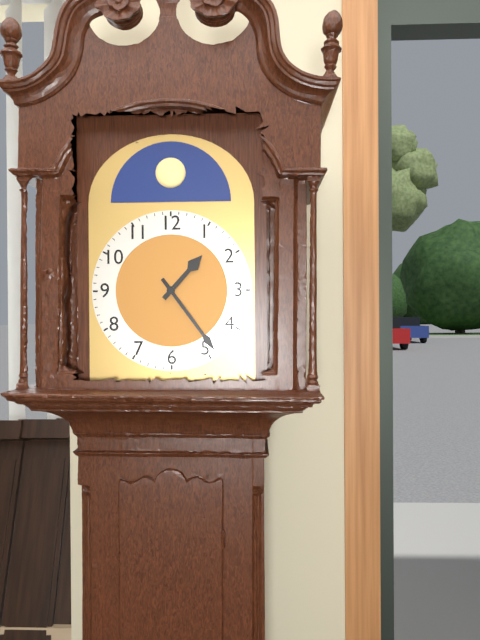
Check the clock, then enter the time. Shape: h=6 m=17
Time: h=1 m=24
